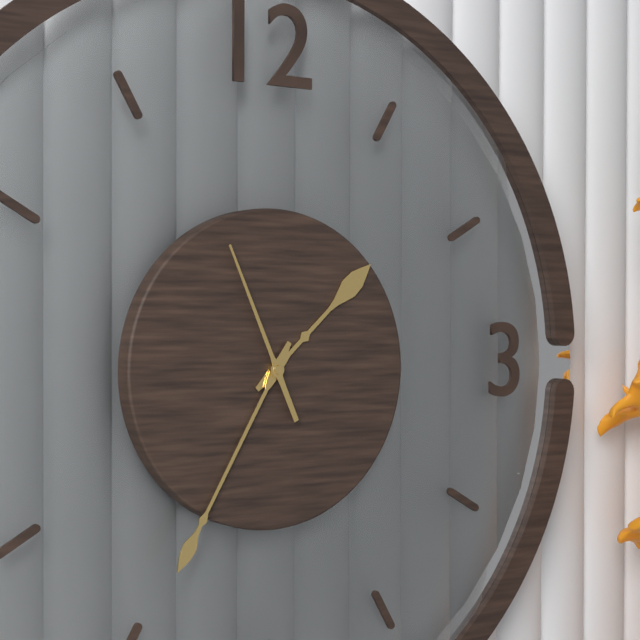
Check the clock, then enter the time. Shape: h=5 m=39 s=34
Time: h=1 m=35 s=56
